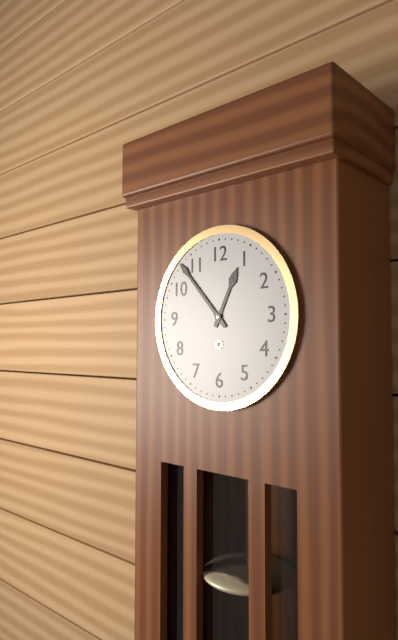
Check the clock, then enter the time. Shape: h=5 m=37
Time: h=12 m=53
